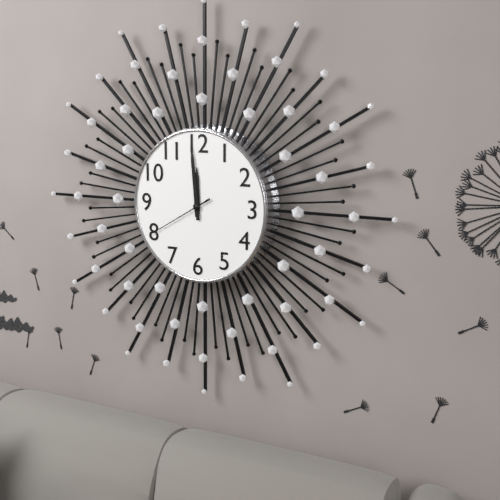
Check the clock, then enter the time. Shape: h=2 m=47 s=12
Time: h=11 m=59 s=40
